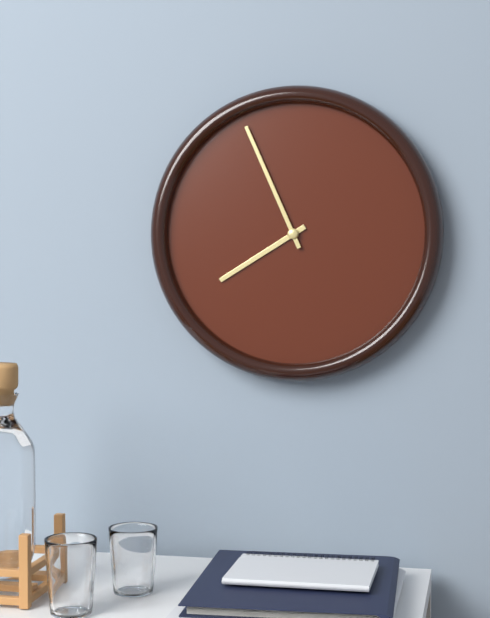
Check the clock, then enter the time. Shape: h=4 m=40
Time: h=7 m=56
